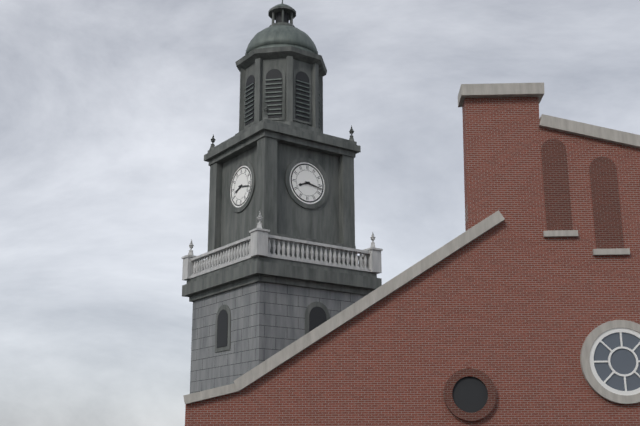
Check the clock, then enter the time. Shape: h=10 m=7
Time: h=8 m=17
